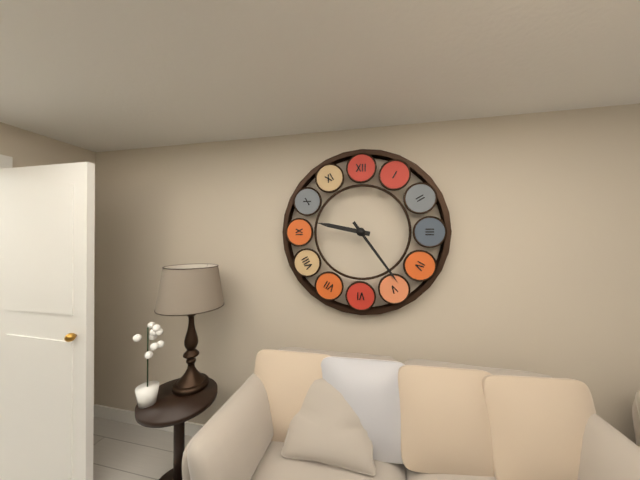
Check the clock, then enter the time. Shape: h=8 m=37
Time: h=9 m=24
